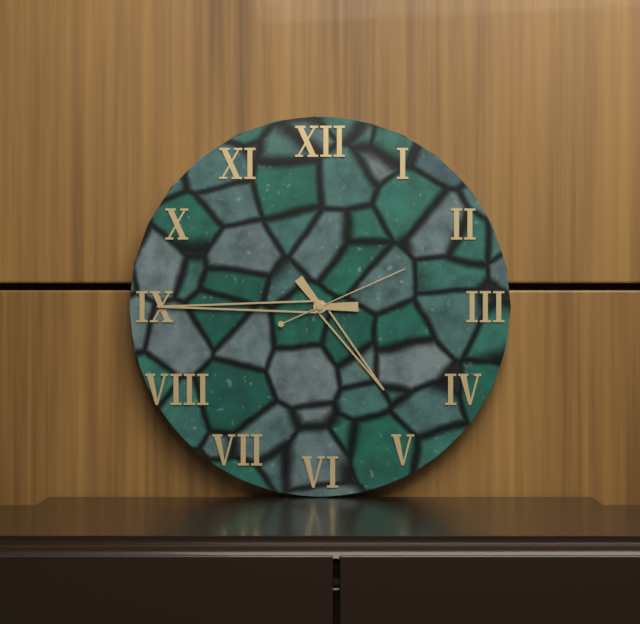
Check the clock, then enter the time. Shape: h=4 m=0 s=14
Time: h=4 m=45 s=11
